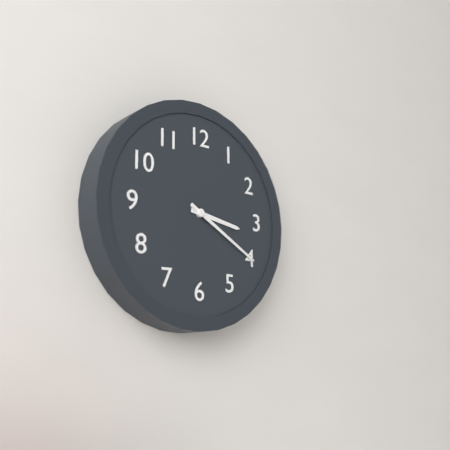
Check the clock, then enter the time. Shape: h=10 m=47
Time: h=3 m=20
